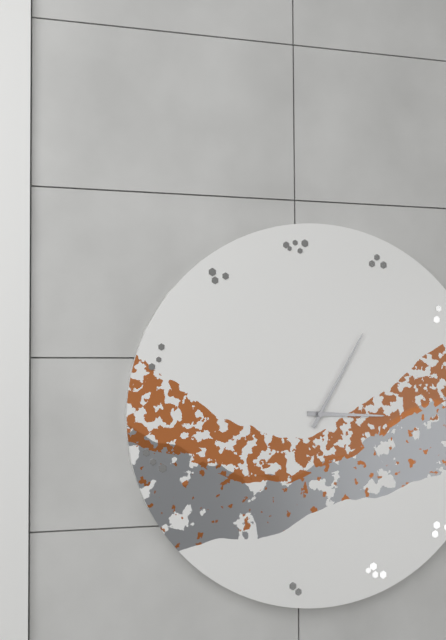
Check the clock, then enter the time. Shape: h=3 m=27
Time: h=3 m=5
